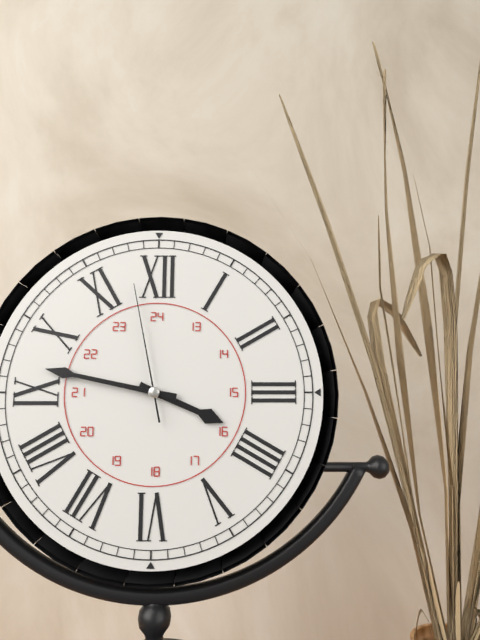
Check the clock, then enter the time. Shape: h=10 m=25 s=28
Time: h=3 m=47 s=58
